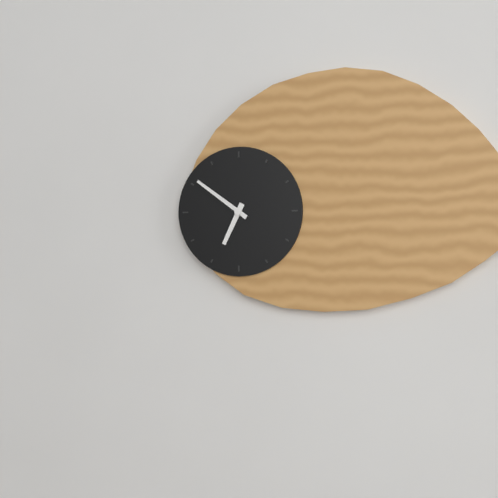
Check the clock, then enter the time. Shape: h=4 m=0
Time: h=6 m=51
